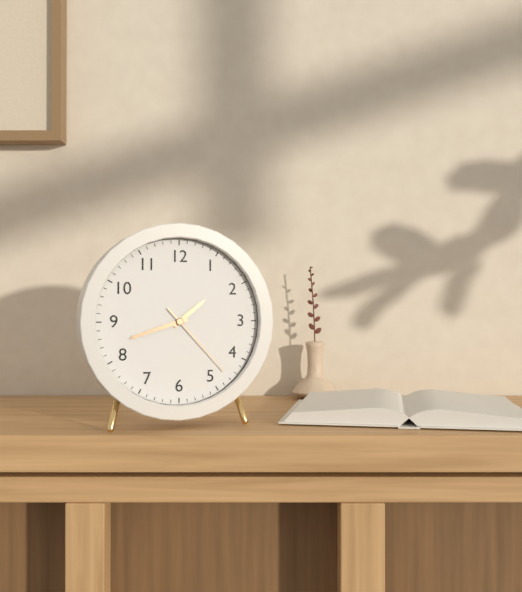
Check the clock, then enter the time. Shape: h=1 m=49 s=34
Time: h=1 m=42 s=23
